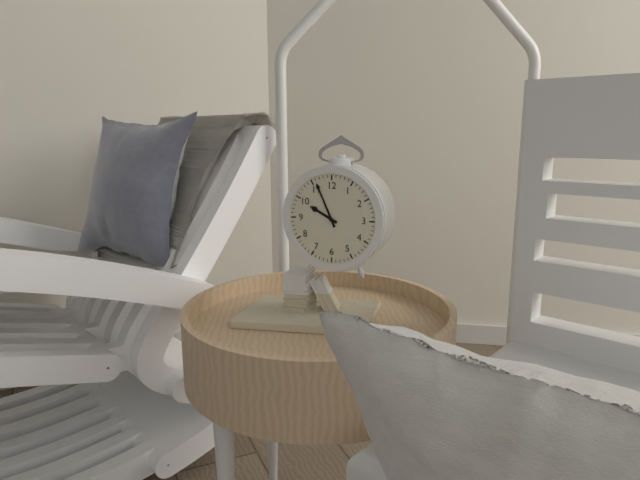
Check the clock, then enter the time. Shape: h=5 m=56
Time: h=9 m=56
